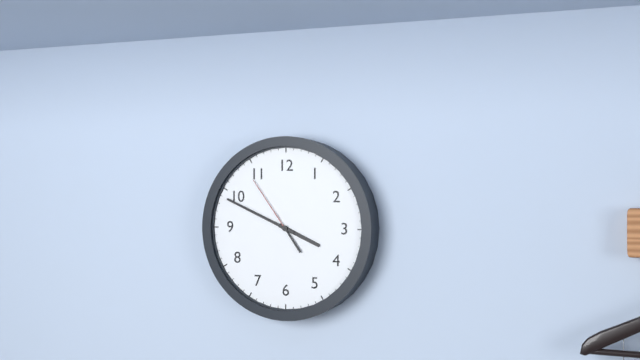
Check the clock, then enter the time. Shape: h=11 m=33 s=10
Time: h=3 m=49 s=54
